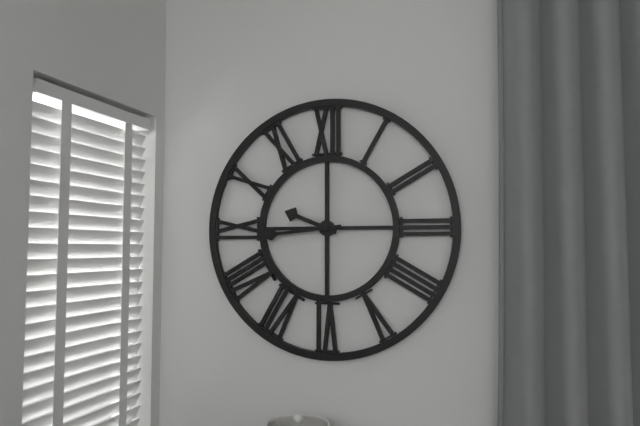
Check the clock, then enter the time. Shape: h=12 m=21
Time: h=9 m=44
